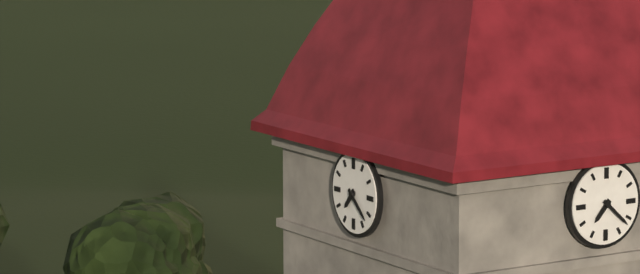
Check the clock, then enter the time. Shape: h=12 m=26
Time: h=7 m=22
